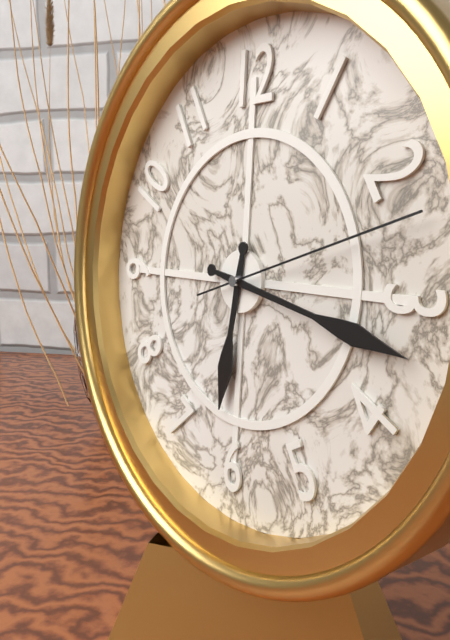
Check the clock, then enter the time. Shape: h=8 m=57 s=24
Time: h=6 m=17 s=12
